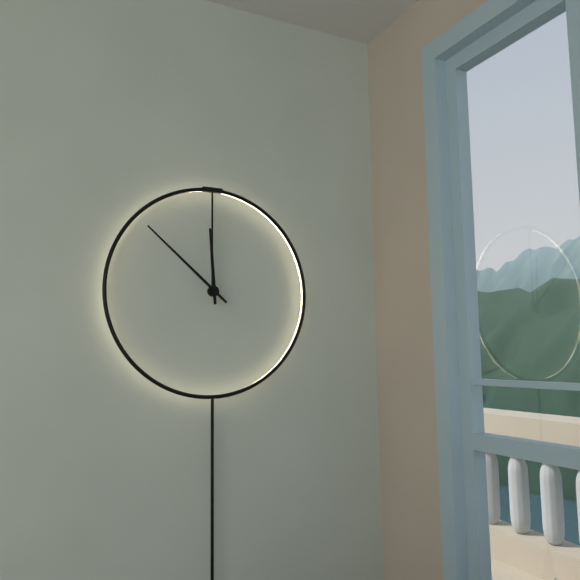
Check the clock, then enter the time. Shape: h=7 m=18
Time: h=11 m=52
